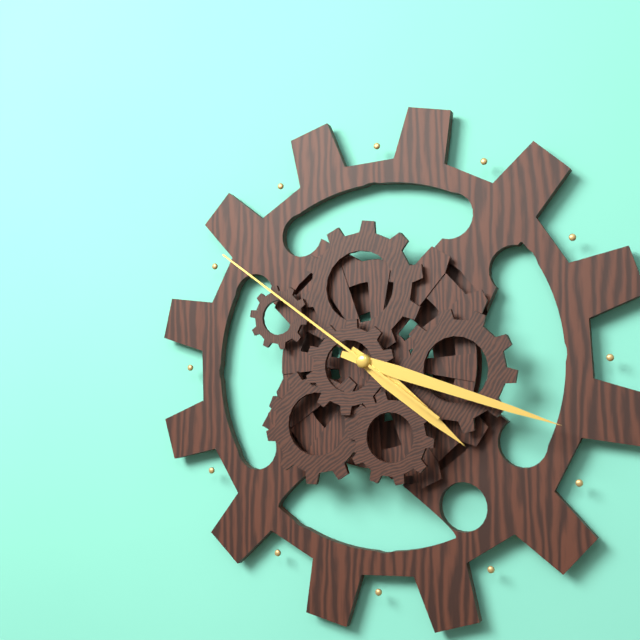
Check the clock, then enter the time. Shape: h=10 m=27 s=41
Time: h=4 m=18 s=51
